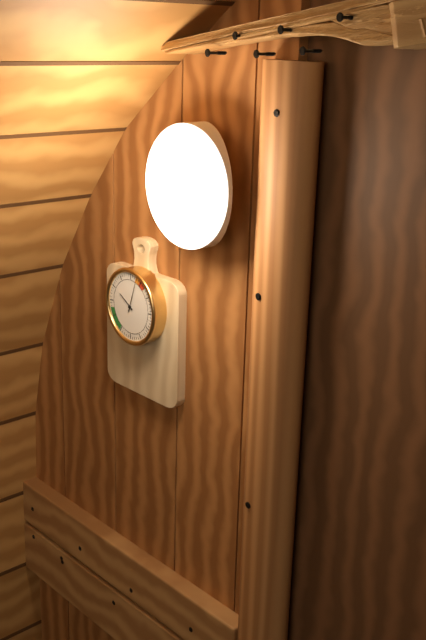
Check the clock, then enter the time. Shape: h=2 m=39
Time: h=10 m=3
